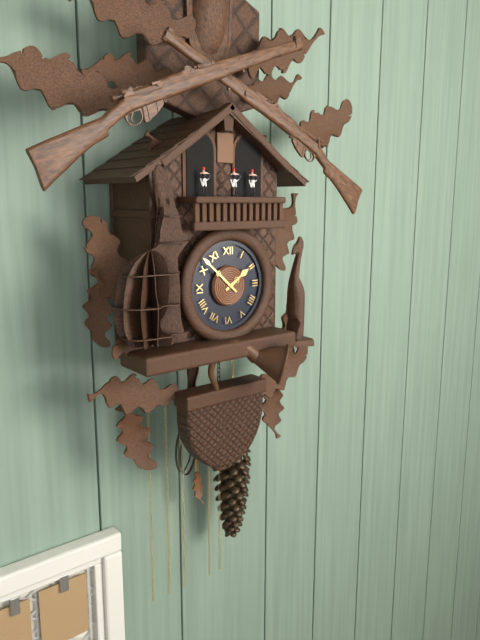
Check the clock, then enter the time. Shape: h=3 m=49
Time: h=1 m=52
